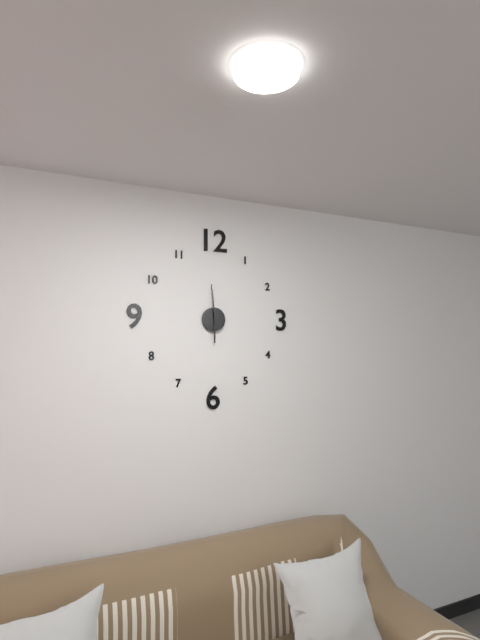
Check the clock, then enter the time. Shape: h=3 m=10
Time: h=5 m=59
